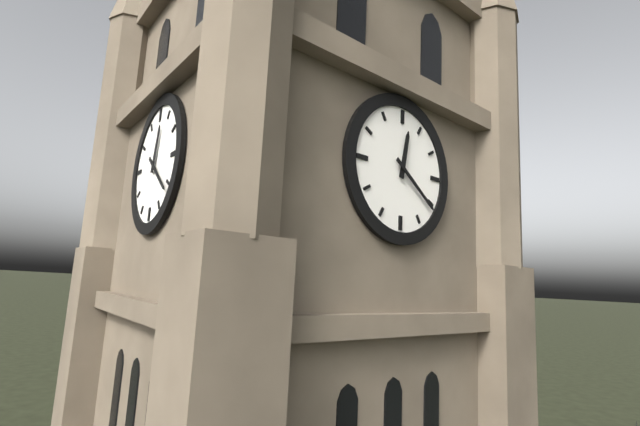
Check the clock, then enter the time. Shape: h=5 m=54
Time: h=12 m=21
